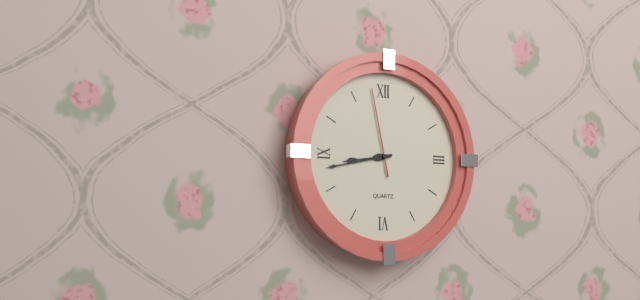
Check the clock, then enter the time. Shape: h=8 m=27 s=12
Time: h=8 m=43 s=58
